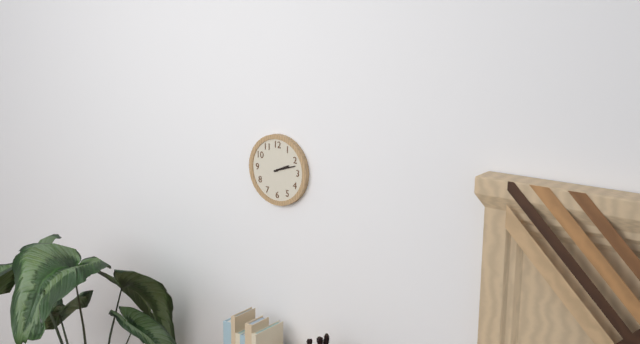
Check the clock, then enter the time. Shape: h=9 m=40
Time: h=2 m=12
